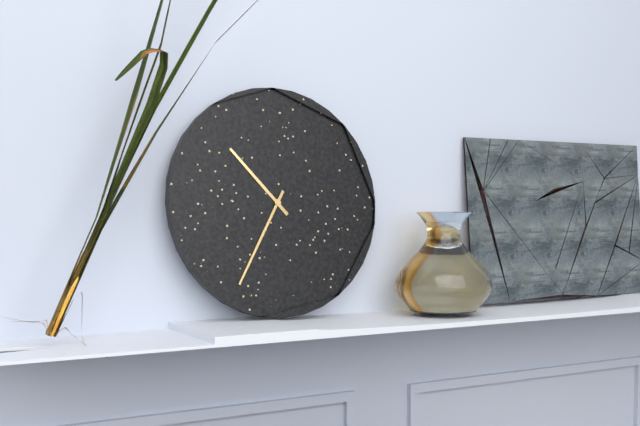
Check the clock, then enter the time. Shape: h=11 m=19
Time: h=10 m=35
